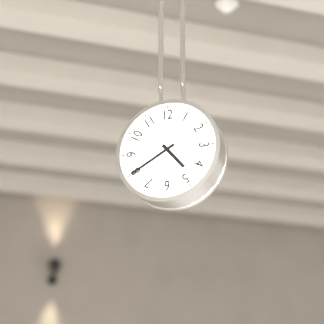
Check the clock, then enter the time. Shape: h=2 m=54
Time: h=4 m=40
